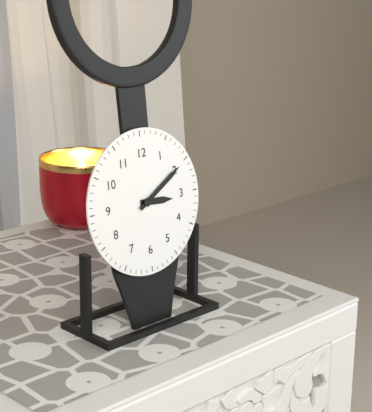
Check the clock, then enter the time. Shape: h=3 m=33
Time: h=3 m=10
